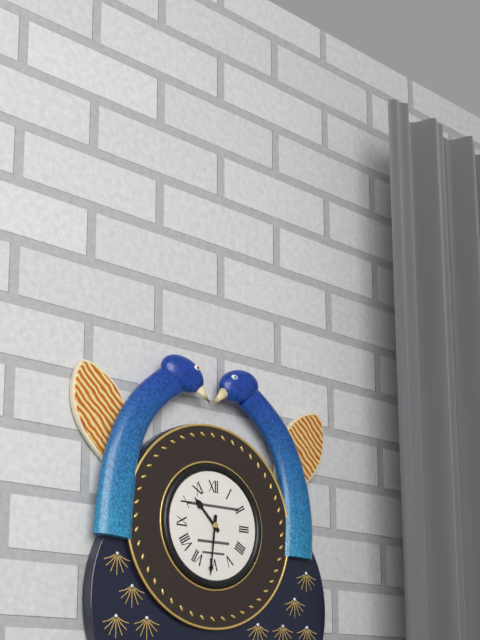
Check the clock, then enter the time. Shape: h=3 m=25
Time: h=10 m=31
